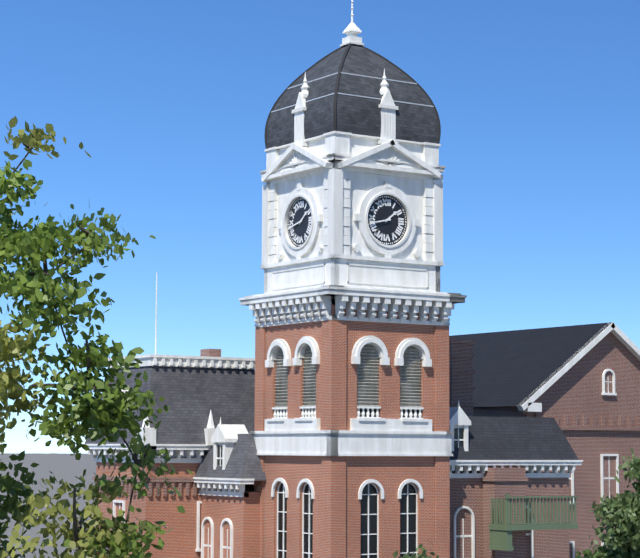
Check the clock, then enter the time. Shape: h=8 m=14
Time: h=1 m=43
